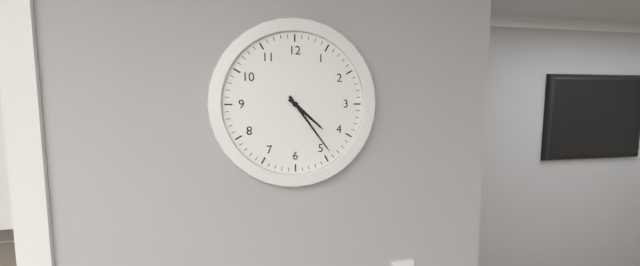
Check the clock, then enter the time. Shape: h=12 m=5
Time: h=4 m=24
